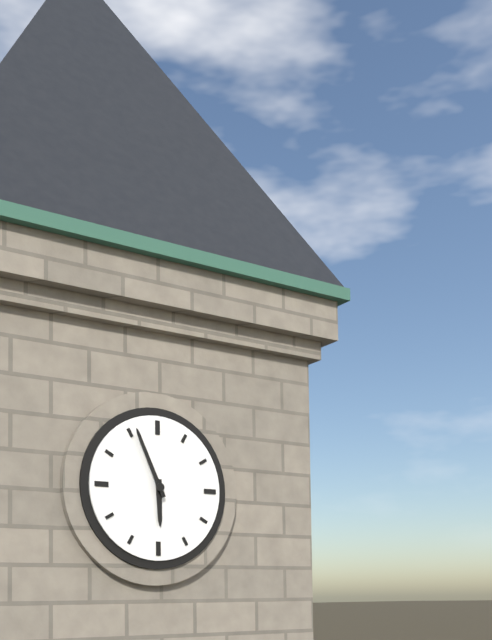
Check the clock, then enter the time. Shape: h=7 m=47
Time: h=5 m=56
